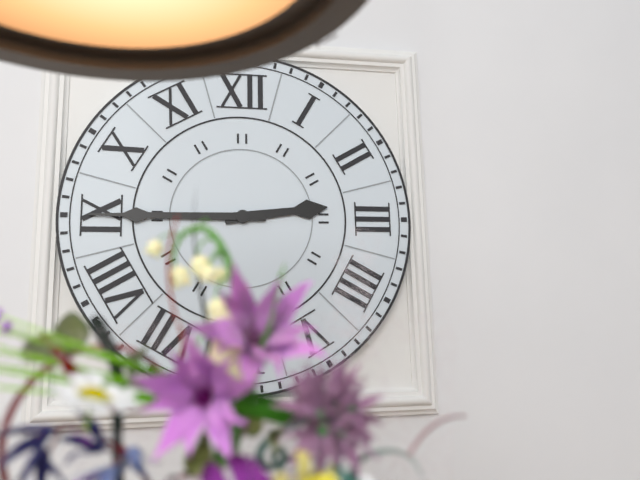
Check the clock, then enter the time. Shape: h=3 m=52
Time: h=2 m=45
